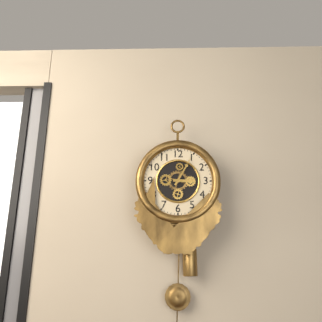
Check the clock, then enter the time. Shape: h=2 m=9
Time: h=3 m=5
